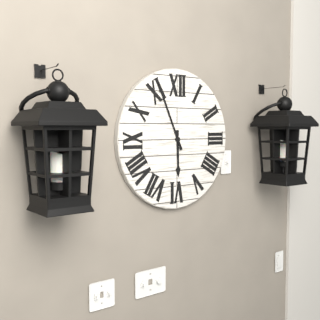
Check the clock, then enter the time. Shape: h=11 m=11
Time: h=5 m=56
